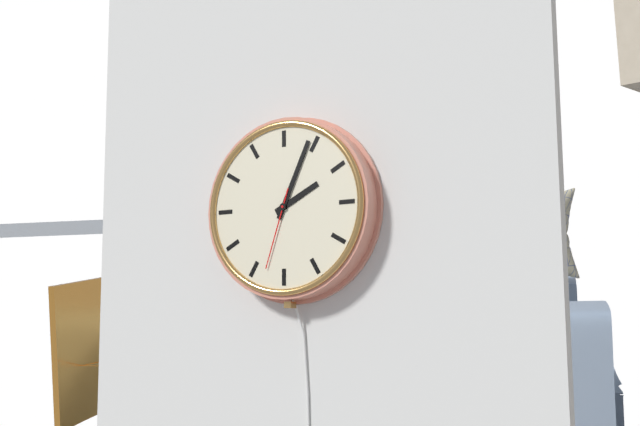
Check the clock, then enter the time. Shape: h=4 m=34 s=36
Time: h=2 m=4 s=33
